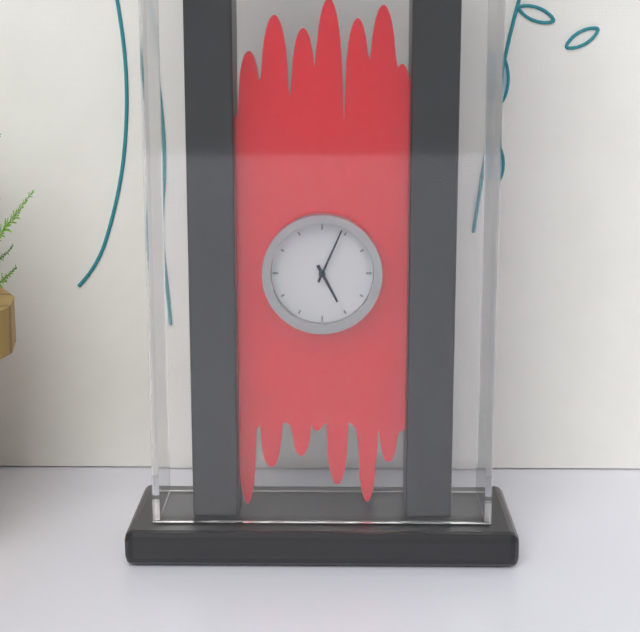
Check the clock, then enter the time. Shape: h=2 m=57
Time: h=5 m=4
